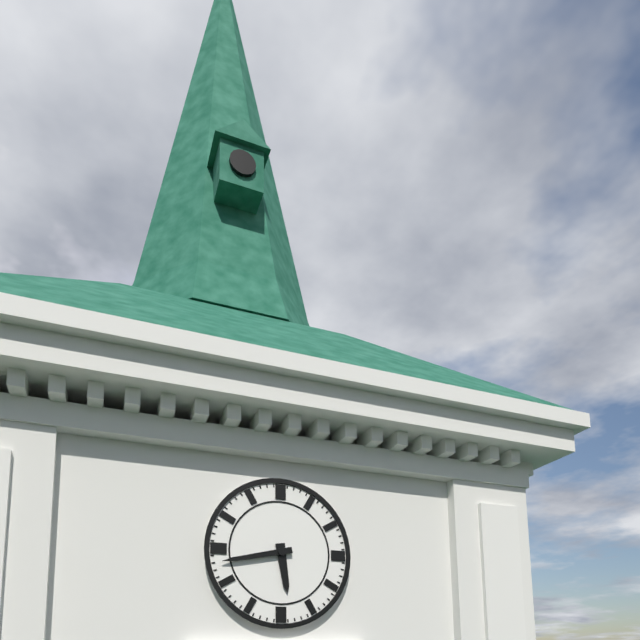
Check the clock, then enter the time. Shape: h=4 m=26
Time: h=5 m=43
